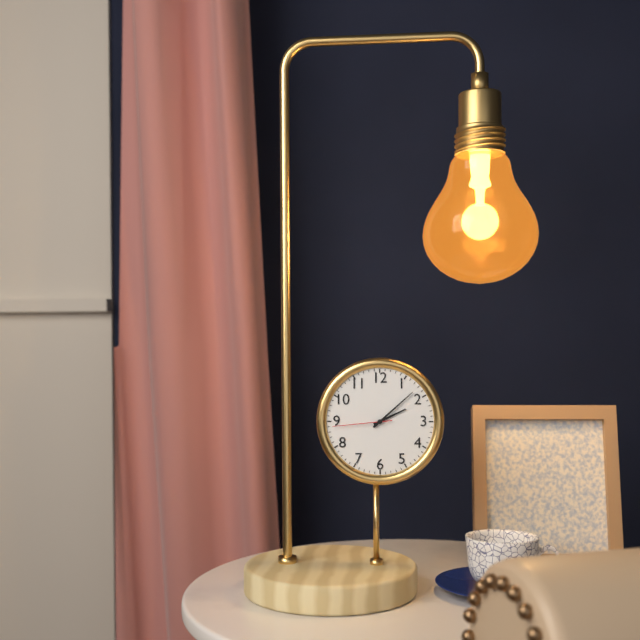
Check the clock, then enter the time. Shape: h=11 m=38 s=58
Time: h=2 m=8 s=44
